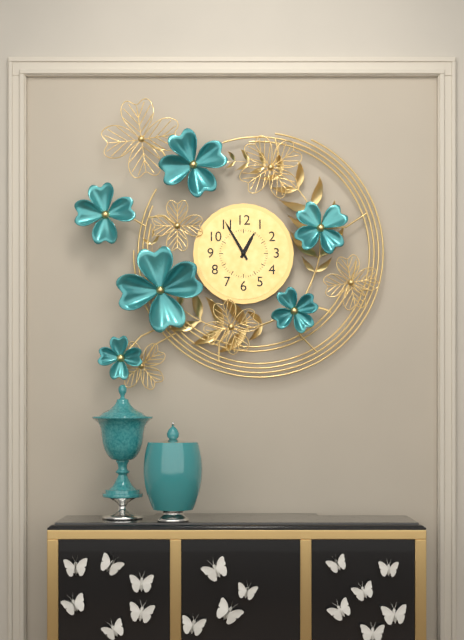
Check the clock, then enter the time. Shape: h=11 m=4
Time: h=12 m=55
